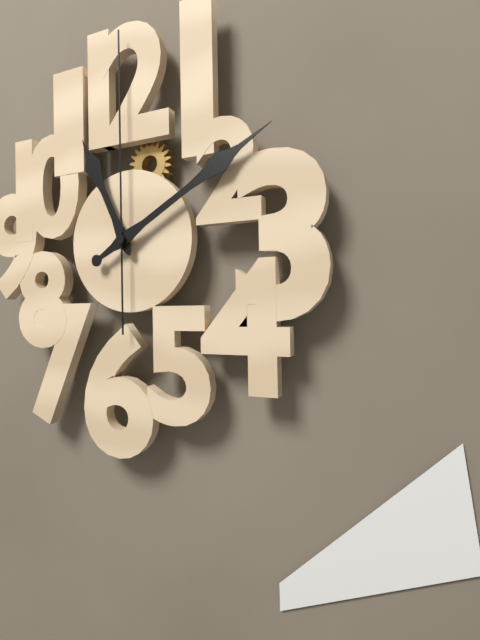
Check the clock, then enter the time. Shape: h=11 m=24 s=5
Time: h=11 m=10 s=0
